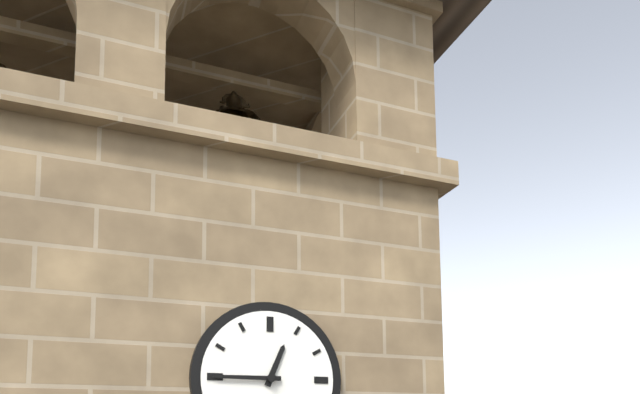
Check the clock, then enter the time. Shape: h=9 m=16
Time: h=12 m=45
